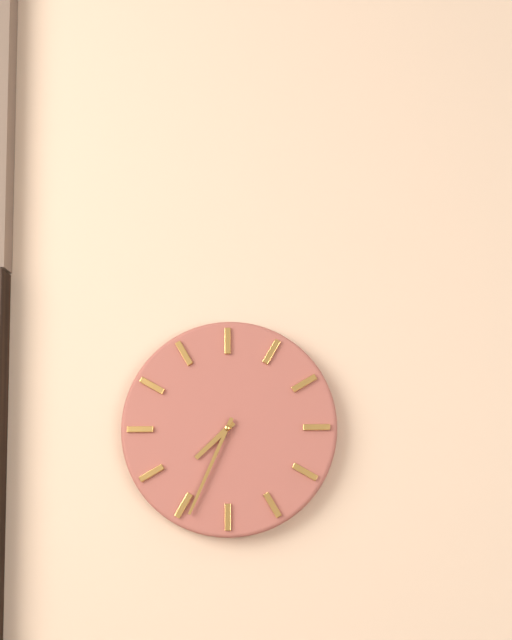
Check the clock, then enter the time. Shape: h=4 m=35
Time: h=7 m=34
